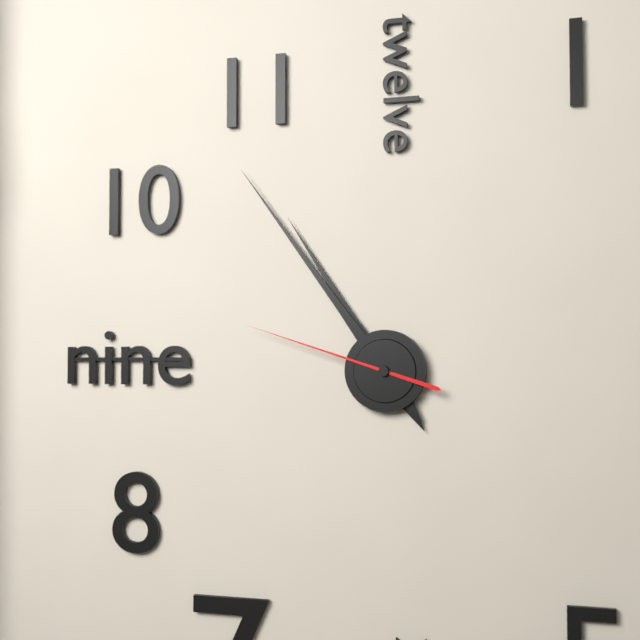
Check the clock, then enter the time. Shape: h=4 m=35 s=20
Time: h=10 m=54 s=48
